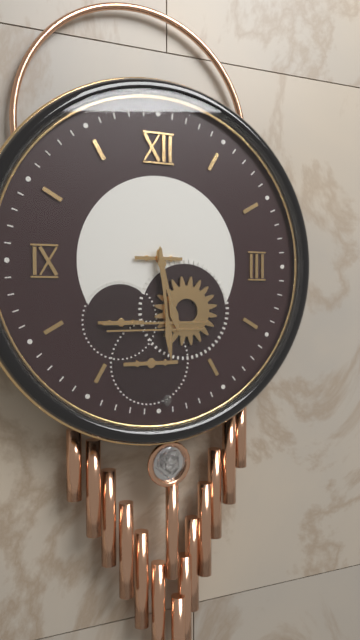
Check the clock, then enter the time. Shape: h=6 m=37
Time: h=5 m=29
